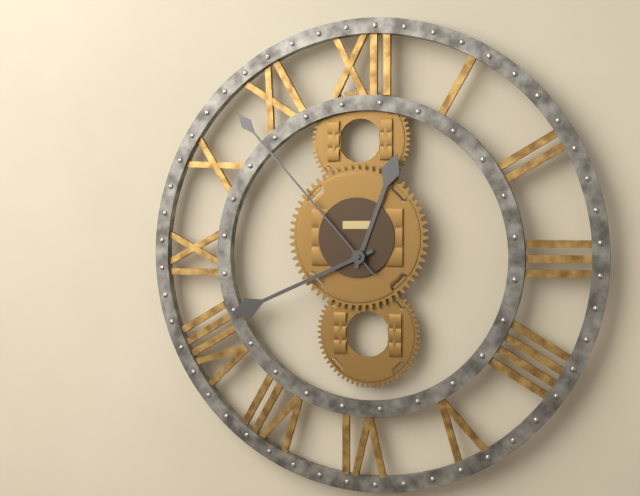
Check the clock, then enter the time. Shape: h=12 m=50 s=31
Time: h=12 m=41 s=53
